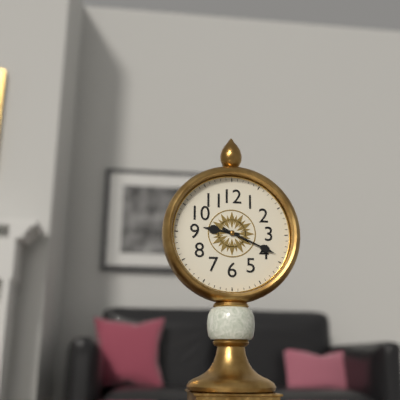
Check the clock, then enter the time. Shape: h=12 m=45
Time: h=9 m=19
